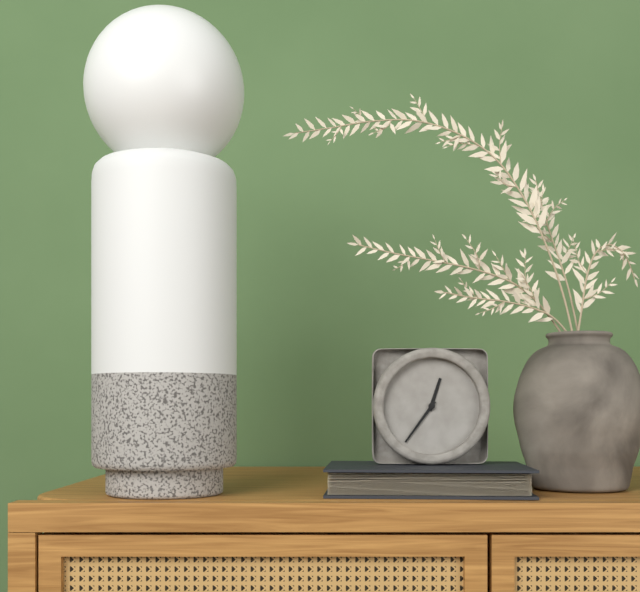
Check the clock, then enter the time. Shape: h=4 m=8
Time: h=12 m=36
